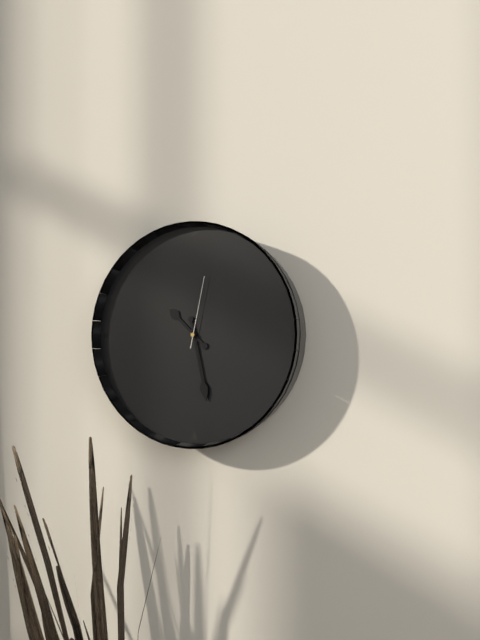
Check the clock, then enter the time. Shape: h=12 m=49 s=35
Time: h=10 m=28 s=2
